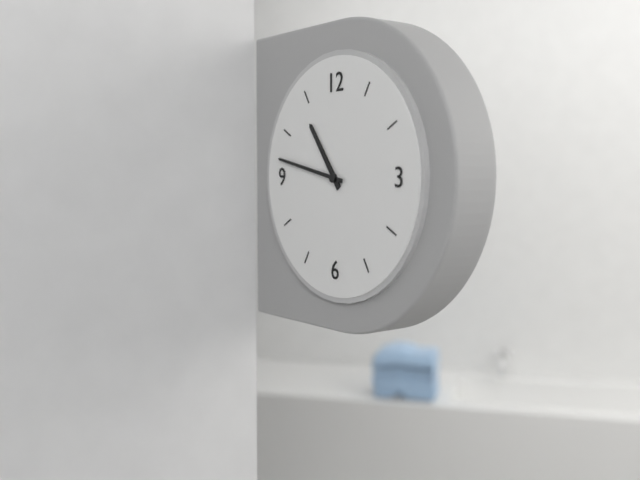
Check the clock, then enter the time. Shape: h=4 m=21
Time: h=10 m=47
